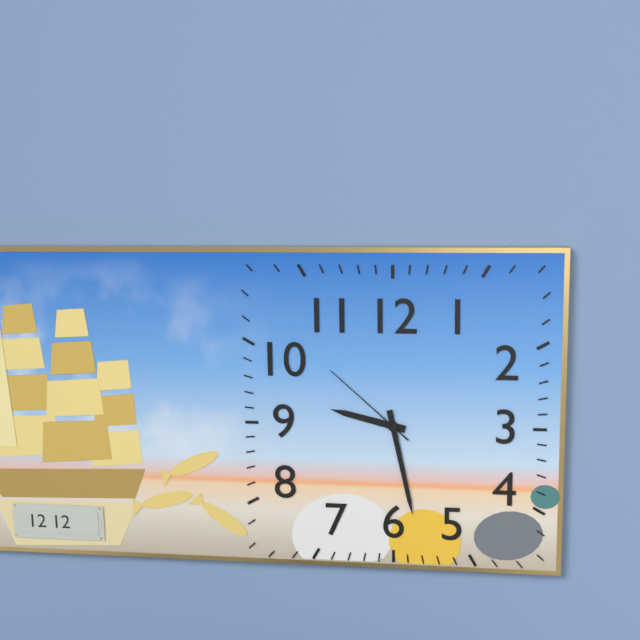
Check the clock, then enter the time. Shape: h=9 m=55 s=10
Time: h=9 m=28 s=52
